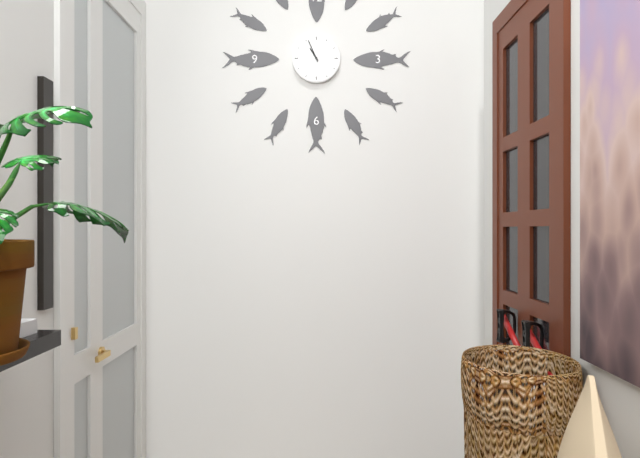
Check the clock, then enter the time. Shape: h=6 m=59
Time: h=10 m=56
